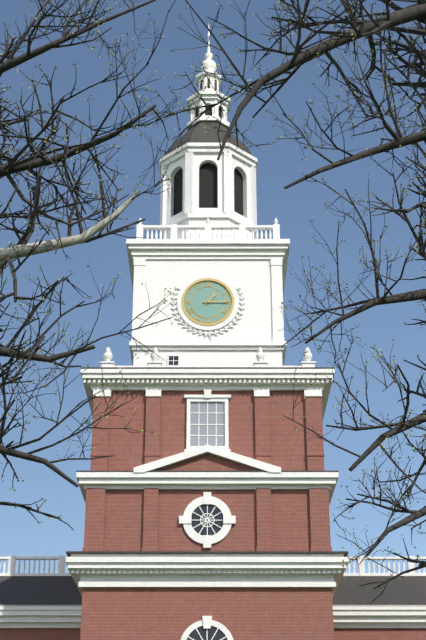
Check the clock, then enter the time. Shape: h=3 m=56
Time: h=1 m=15
